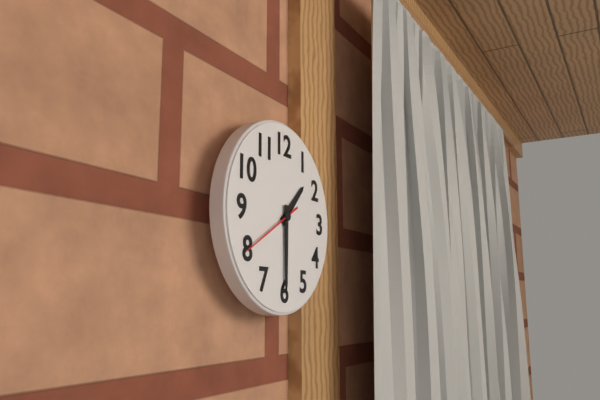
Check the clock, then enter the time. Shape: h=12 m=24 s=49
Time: h=1 m=30 s=40
